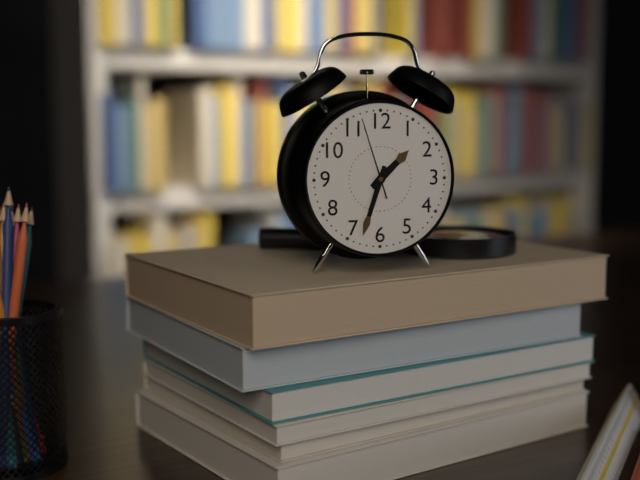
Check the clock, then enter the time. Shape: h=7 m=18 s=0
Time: h=1 m=33 s=57
